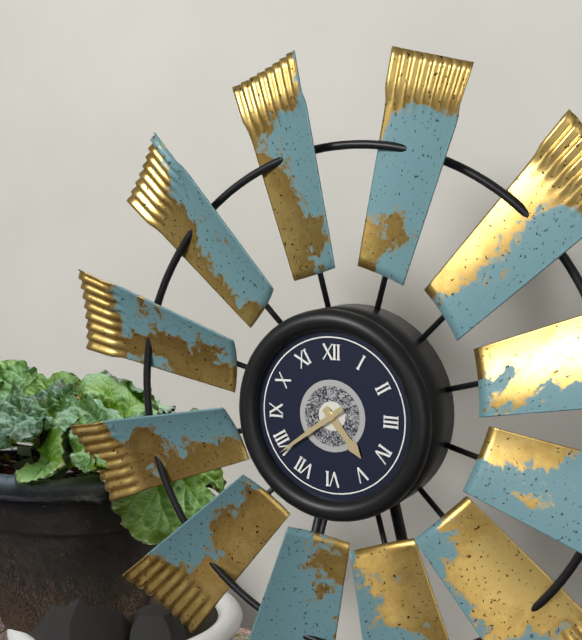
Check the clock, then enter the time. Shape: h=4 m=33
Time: h=4 m=39
